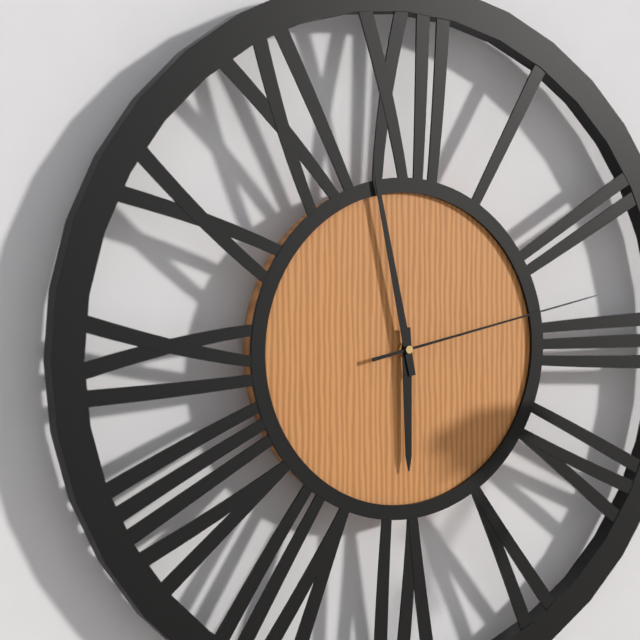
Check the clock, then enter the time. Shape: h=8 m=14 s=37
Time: h=5 m=58 s=13
